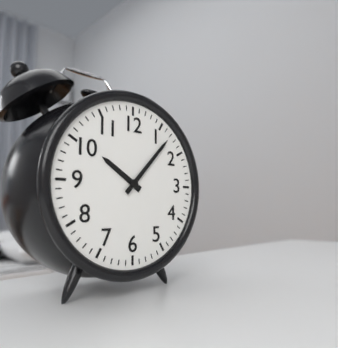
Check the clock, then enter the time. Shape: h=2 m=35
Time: h=10 m=7
